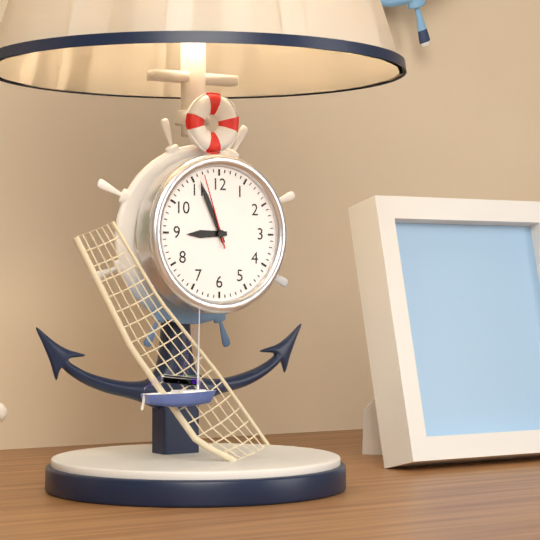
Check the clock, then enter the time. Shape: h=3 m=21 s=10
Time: h=8 m=56 s=57
